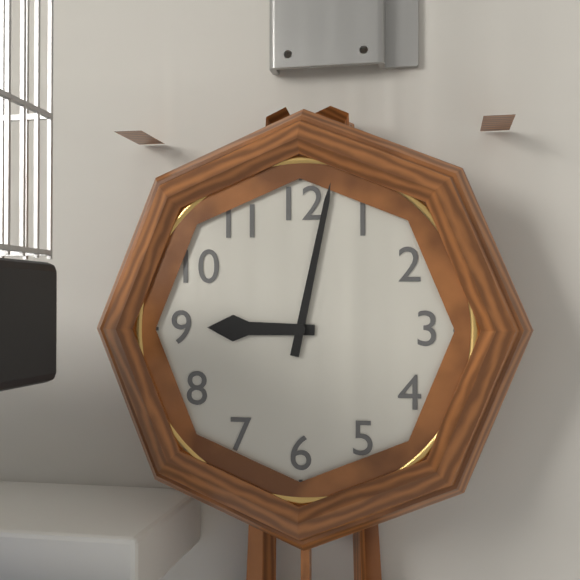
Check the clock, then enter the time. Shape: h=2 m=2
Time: h=9 m=2
